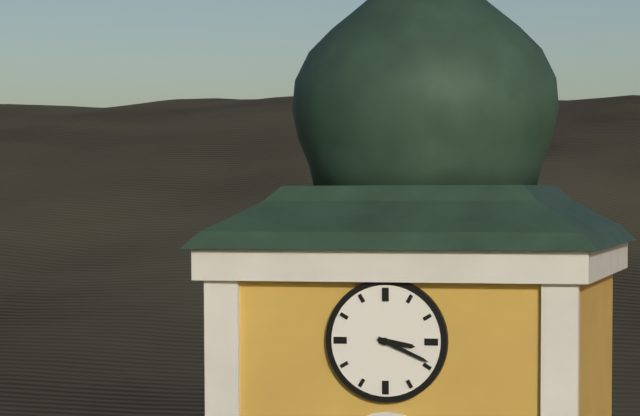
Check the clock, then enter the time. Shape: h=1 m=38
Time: h=3 m=19
